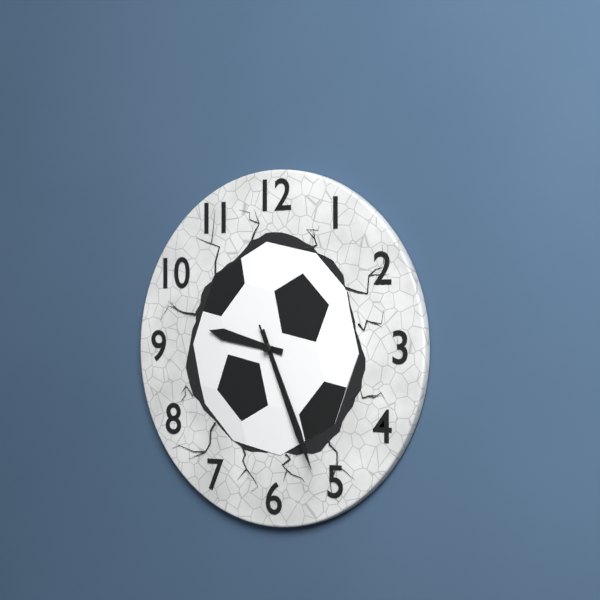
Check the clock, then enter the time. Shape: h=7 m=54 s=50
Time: h=9 m=26 s=26
